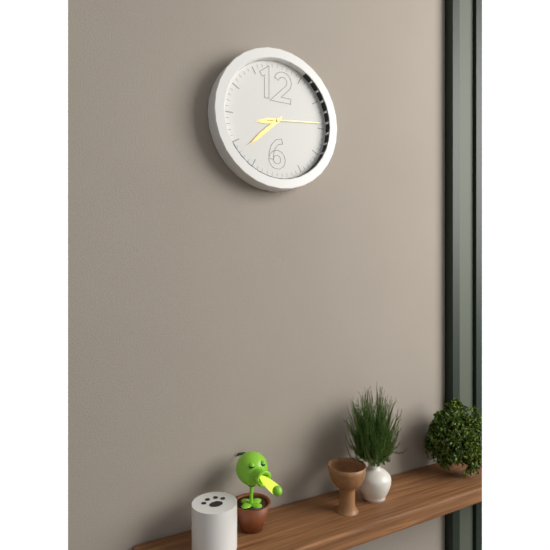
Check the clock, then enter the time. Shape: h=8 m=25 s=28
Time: h=8 m=38 s=14
